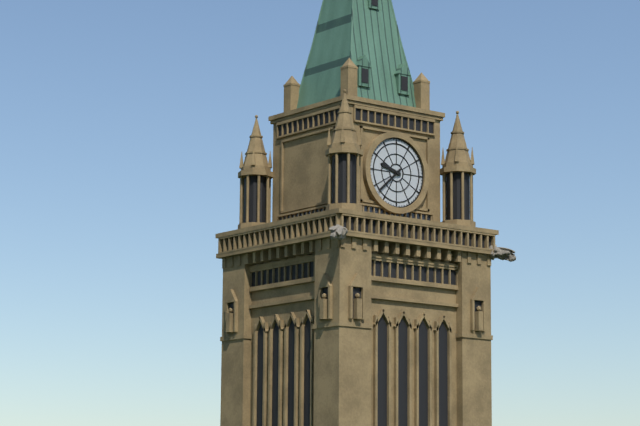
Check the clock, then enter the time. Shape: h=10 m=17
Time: h=9 m=38
